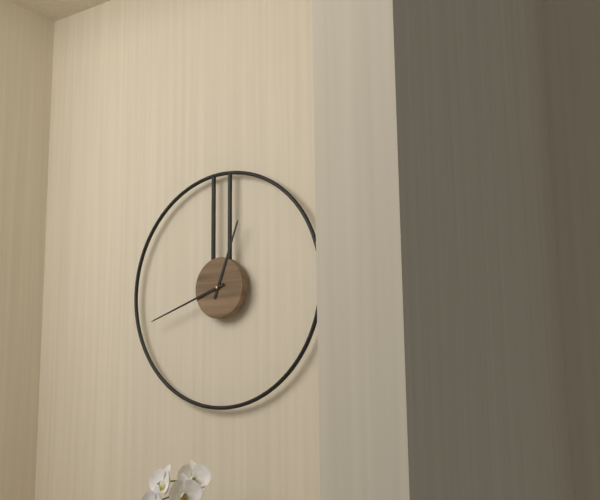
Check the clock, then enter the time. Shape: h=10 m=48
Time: h=12 m=42
